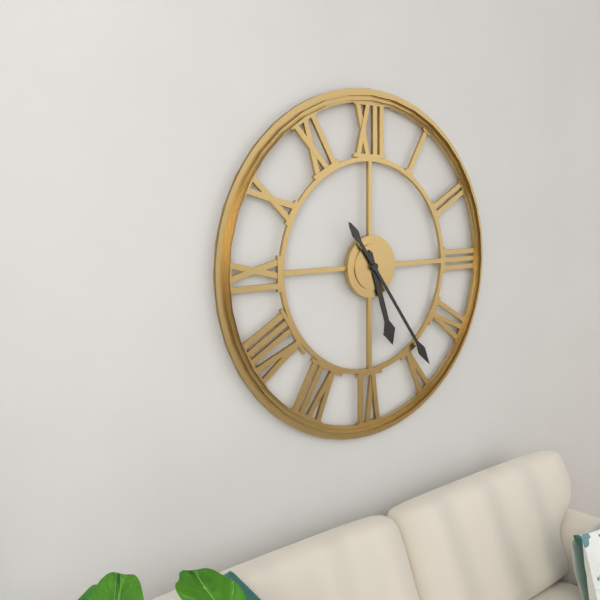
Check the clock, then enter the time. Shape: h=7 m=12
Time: h=5 m=24
